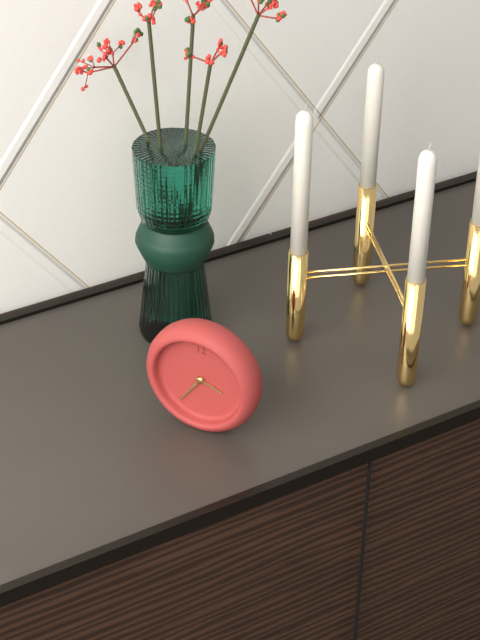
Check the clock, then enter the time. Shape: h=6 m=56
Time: h=3 m=36
